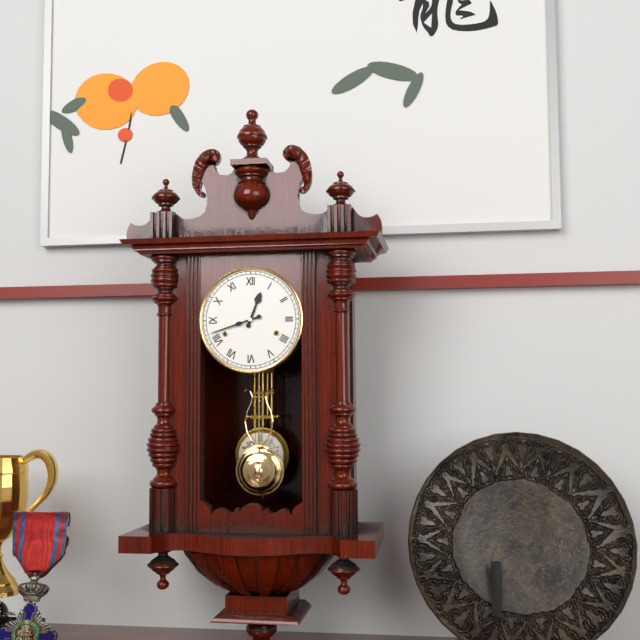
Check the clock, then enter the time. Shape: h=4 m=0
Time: h=12 m=42
